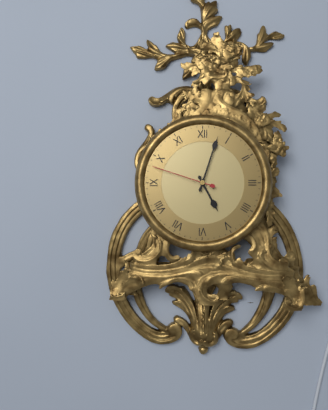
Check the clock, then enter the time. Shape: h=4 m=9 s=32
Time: h=5 m=3 s=48
